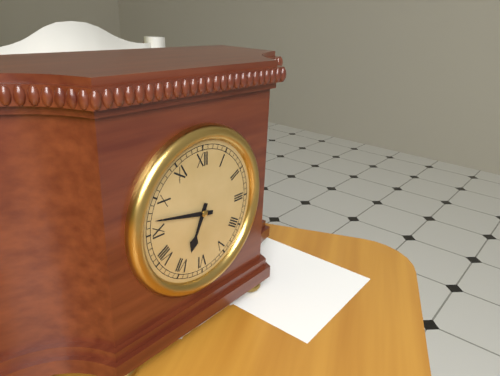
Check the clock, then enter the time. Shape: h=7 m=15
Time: h=6 m=47
